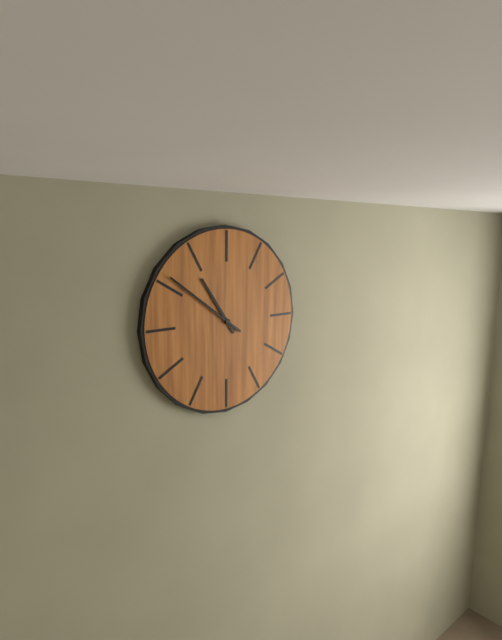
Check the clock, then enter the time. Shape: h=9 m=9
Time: h=10 m=51
